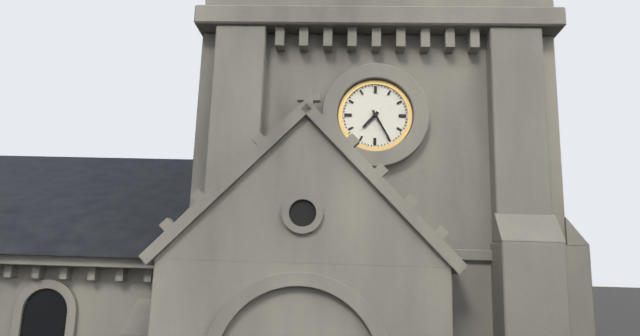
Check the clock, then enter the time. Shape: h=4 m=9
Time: h=7 m=25
